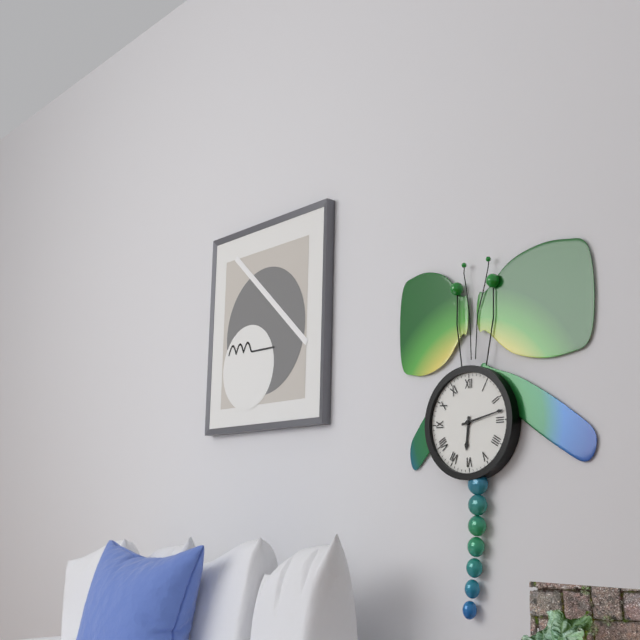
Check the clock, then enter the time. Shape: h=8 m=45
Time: h=6 m=13
